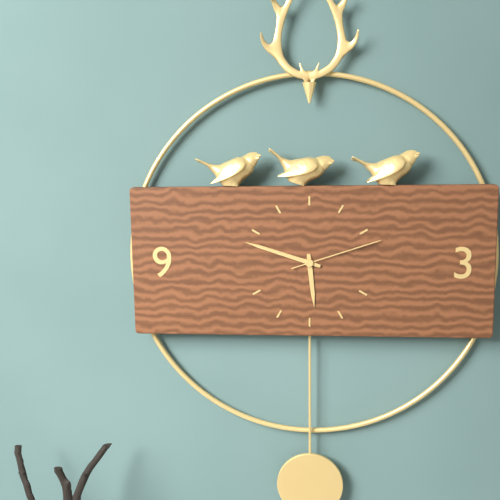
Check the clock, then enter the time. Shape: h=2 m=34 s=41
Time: h=5 m=48 s=12
